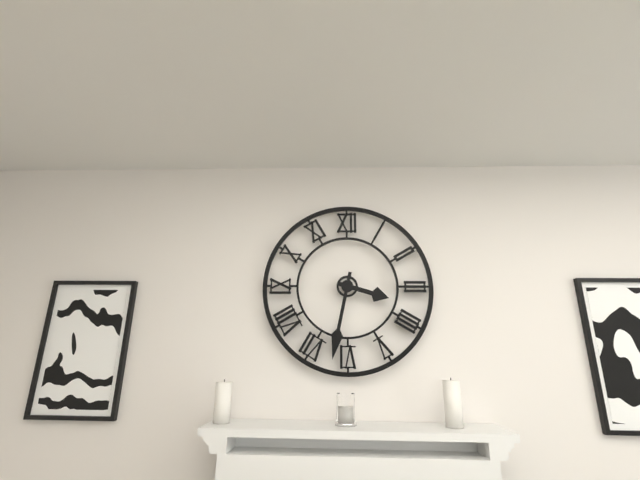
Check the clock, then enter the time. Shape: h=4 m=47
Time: h=3 m=32
